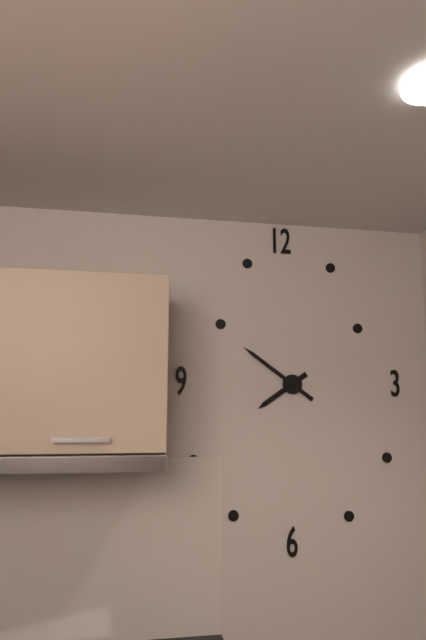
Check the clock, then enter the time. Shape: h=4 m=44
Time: h=7 m=51
